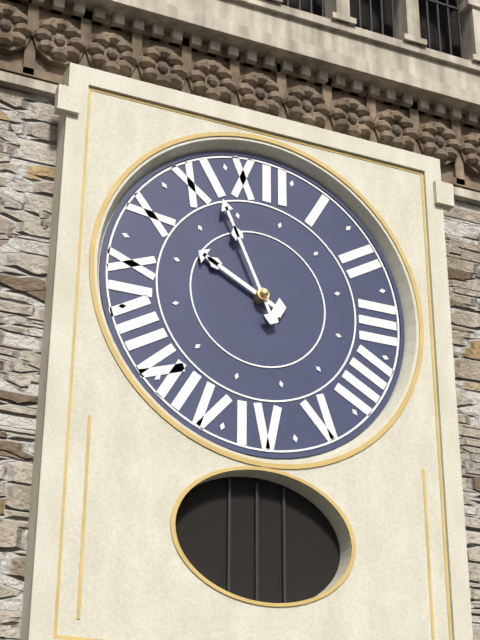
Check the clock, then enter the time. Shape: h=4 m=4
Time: h=9 m=56
